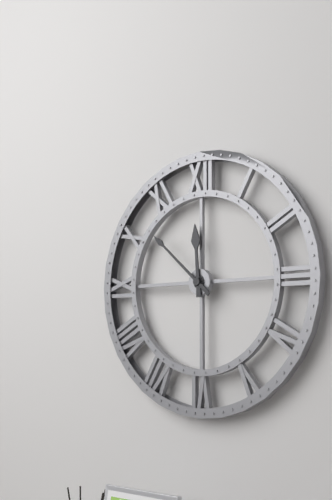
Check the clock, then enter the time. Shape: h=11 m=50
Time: h=11 m=52
